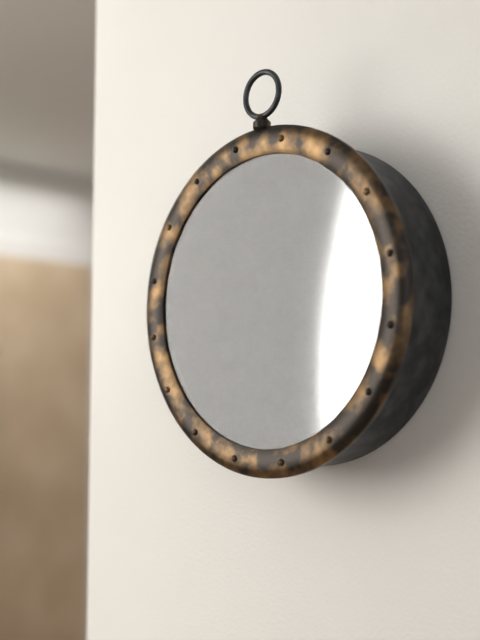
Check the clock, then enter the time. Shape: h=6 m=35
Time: h=5 m=56
